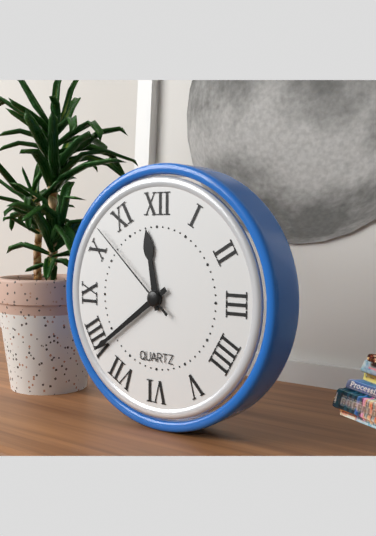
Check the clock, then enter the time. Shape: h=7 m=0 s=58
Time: h=11 m=39 s=52
